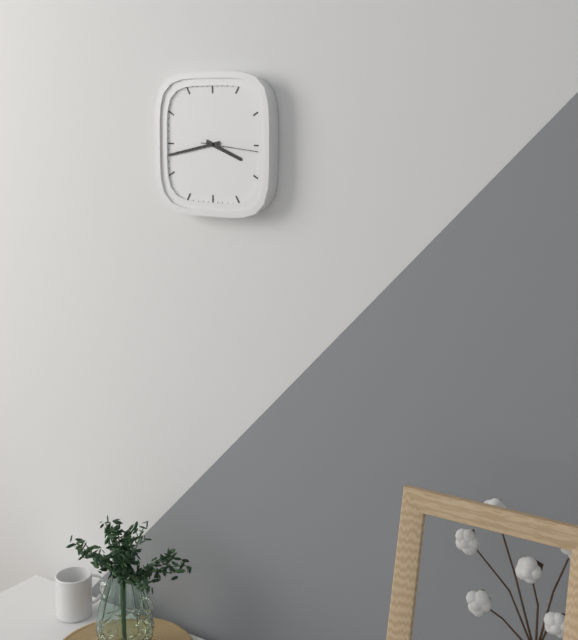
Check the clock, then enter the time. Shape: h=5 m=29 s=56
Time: h=3 m=43 s=16
